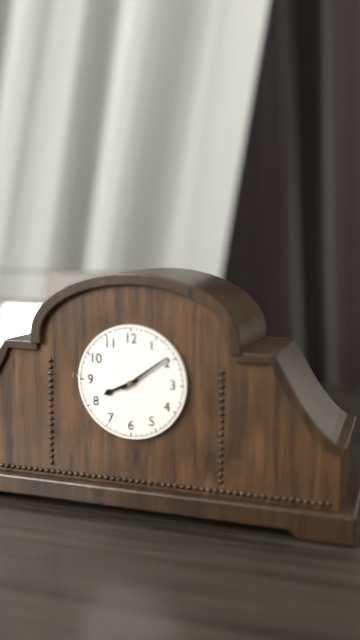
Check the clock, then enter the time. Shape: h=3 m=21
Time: h=8 m=9
